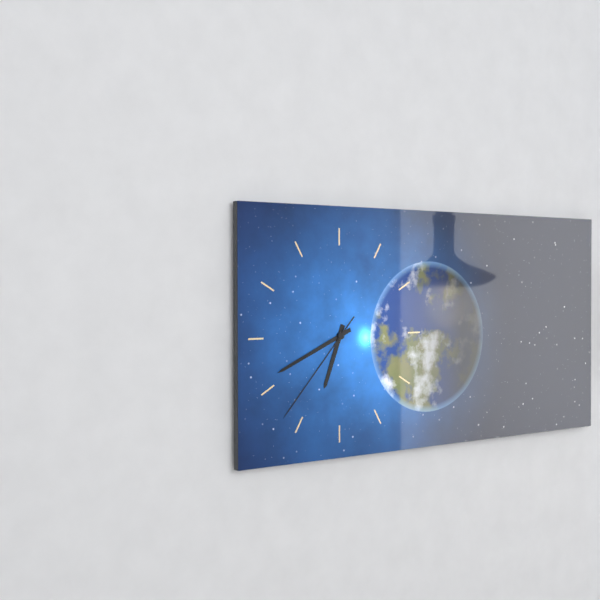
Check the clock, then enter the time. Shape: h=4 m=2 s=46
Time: h=6 m=41 s=37
